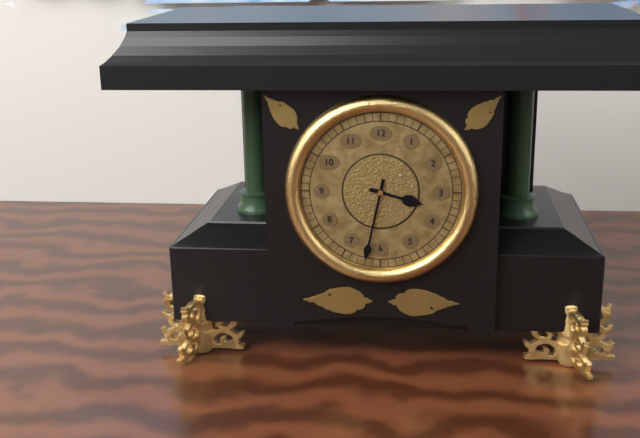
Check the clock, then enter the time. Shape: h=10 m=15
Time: h=3 m=32
